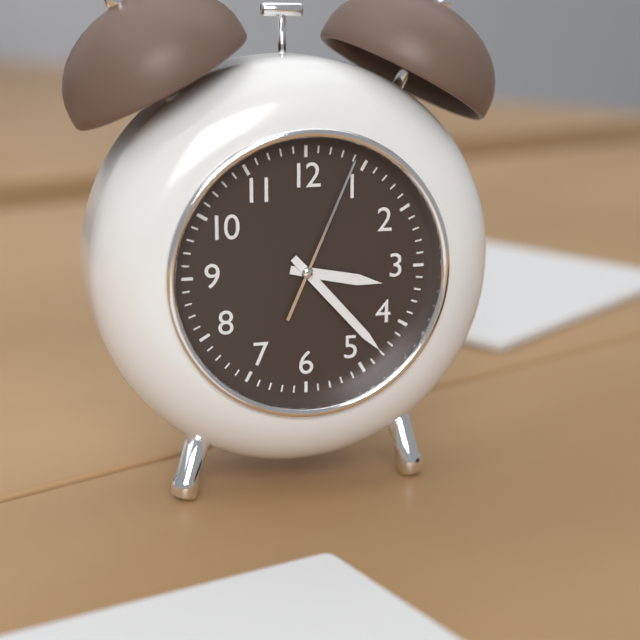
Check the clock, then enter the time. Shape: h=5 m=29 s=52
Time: h=3 m=23 s=4
